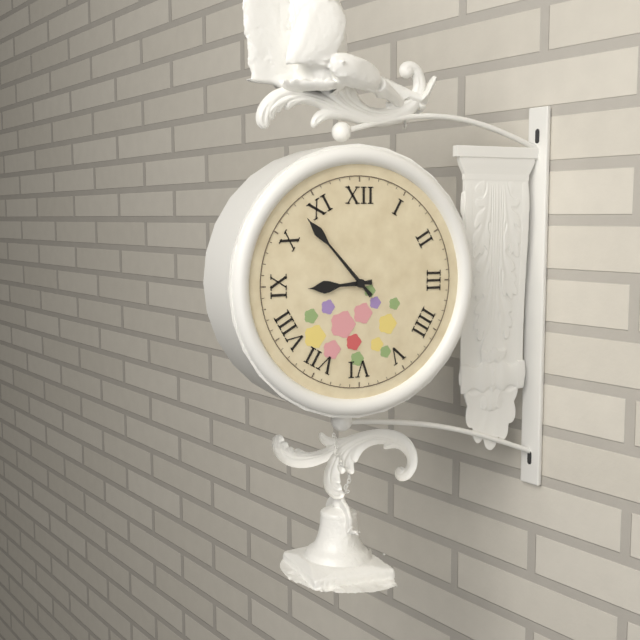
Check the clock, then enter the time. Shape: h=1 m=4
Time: h=8 m=53
